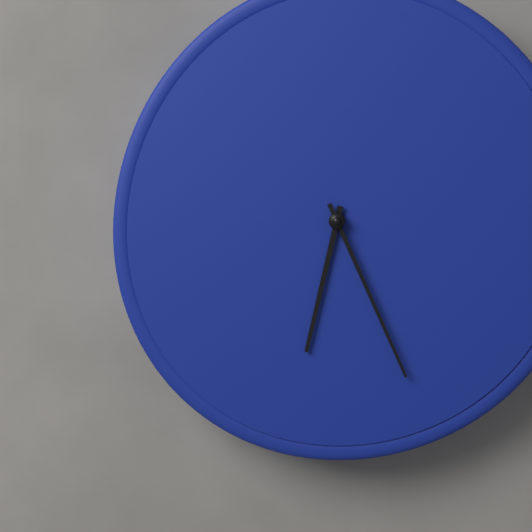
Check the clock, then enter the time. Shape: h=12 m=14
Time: h=6 m=26
